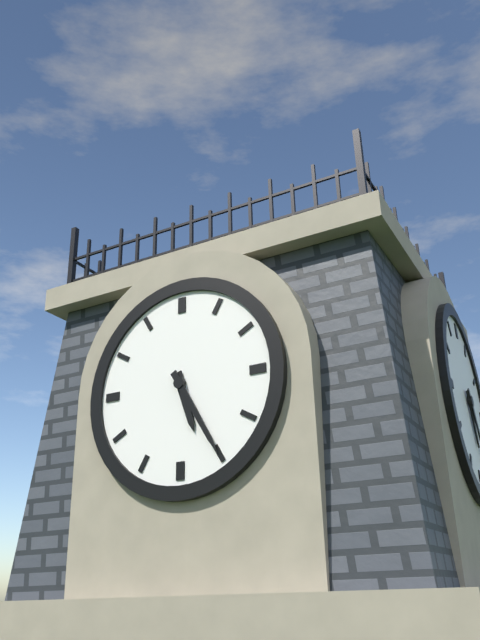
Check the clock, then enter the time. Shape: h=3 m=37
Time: h=5 m=25
